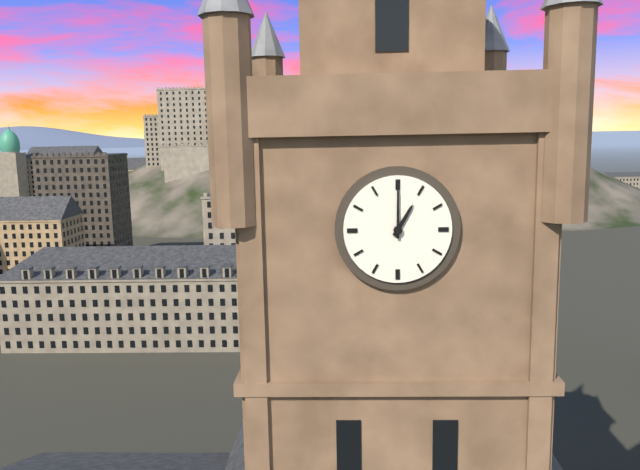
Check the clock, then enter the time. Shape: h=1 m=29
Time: h=1 m=0
